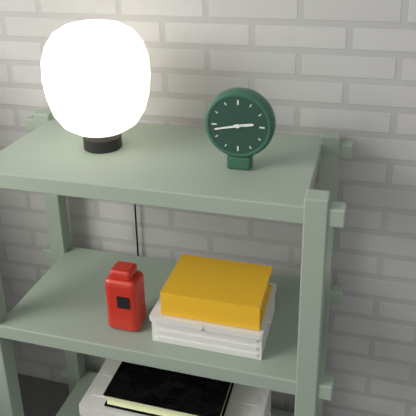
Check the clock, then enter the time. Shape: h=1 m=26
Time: h=2 m=43
